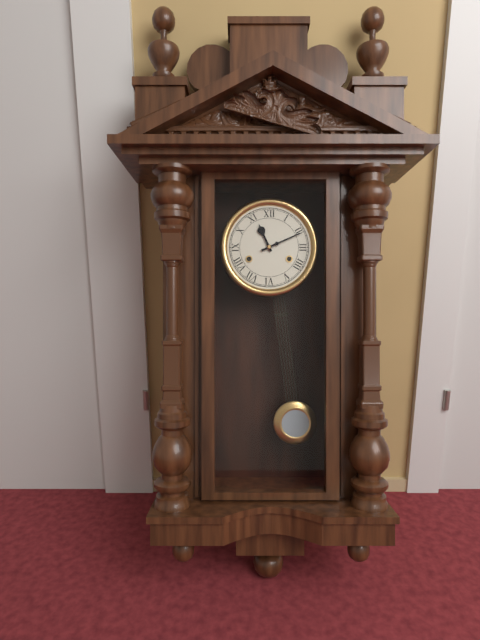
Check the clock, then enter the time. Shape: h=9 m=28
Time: h=11 m=11
